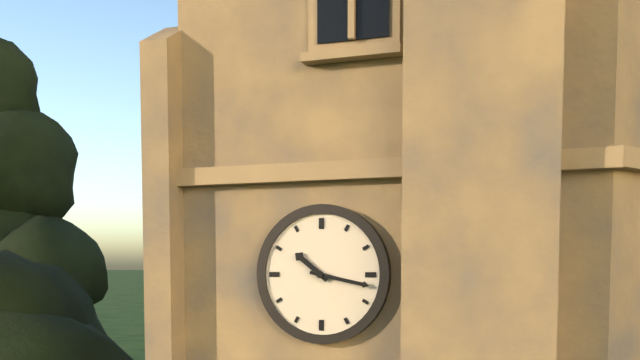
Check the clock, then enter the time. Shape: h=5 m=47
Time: h=10 m=17
